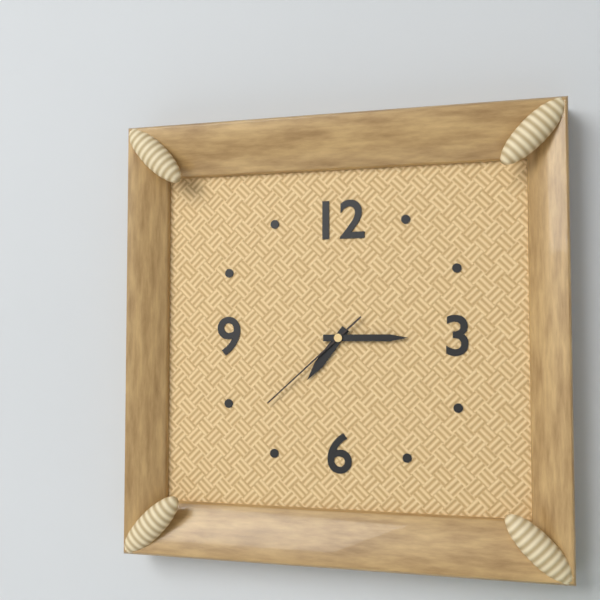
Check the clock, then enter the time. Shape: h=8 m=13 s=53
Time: h=7 m=15 s=38
